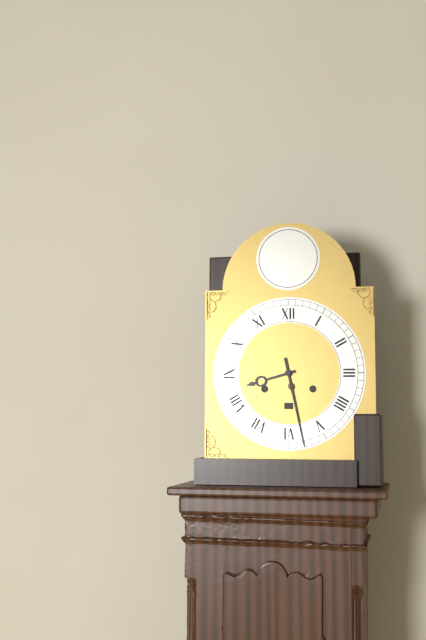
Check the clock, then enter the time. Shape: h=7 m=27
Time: h=8 m=28
